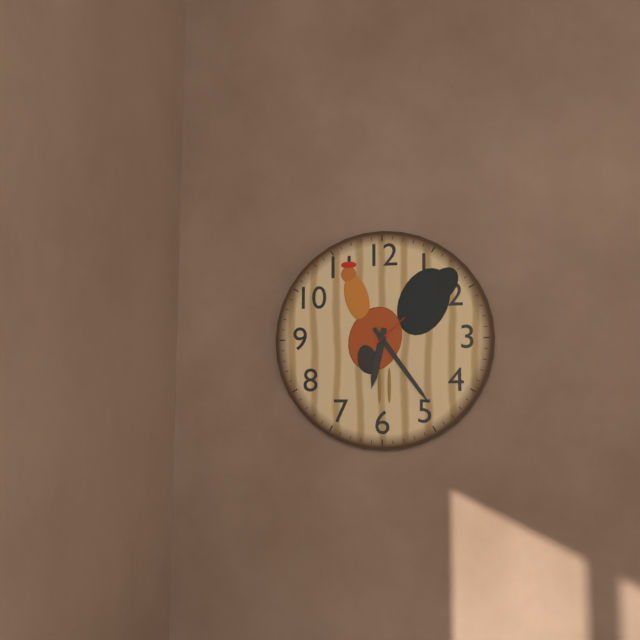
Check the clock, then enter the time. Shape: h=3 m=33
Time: h=6 m=24
